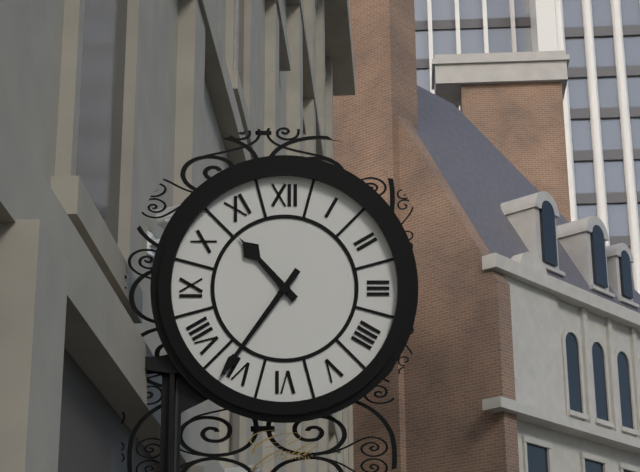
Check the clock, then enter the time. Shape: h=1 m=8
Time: h=10 m=36
